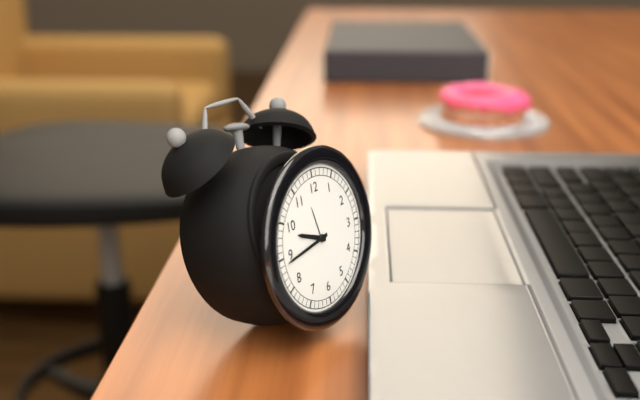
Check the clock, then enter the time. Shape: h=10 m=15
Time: h=9 m=44
